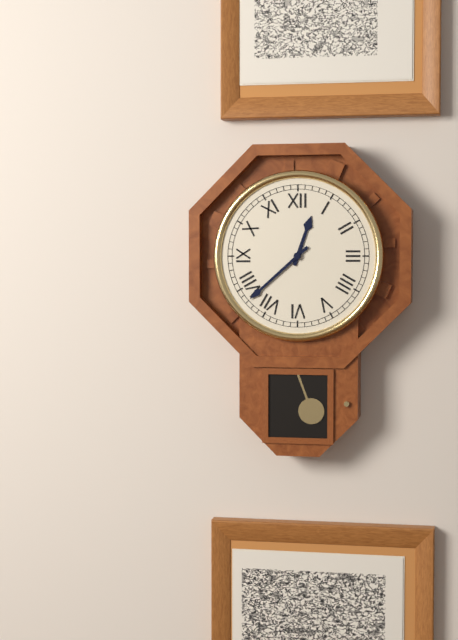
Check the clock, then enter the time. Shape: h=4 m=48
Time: h=12 m=38
